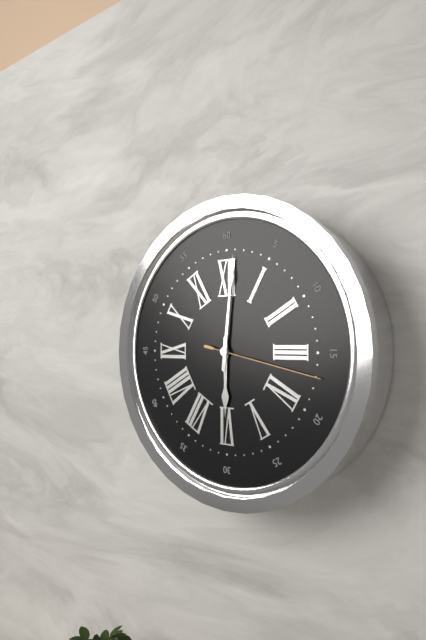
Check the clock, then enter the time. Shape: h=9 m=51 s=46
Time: h=6 m=1 s=17
